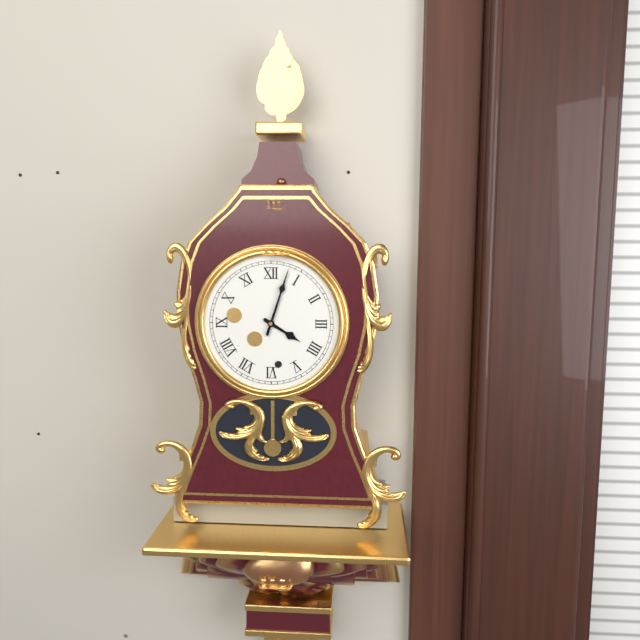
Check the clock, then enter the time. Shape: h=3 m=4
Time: h=4 m=3
